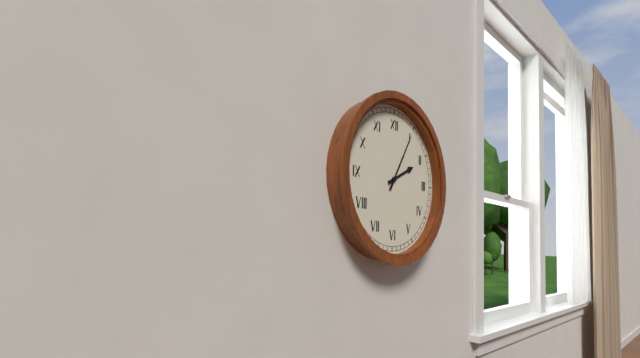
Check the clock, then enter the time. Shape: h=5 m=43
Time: h=2 m=5
